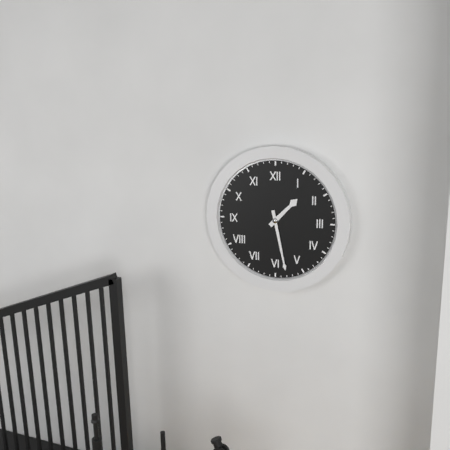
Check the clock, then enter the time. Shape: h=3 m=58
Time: h=1 m=28
